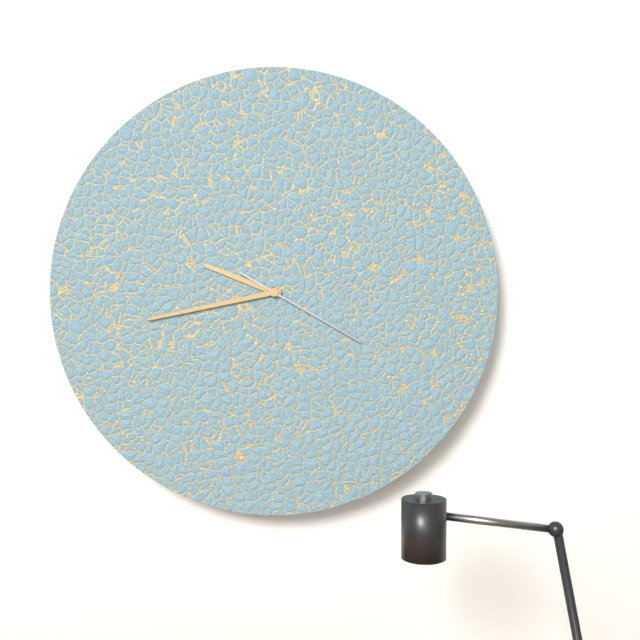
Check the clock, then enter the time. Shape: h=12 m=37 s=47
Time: h=9 m=43 s=20
